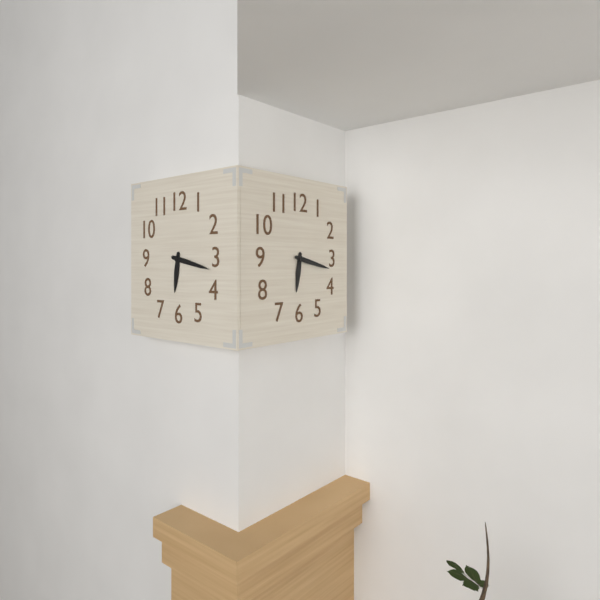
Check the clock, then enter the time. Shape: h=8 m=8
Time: h=6 m=17
